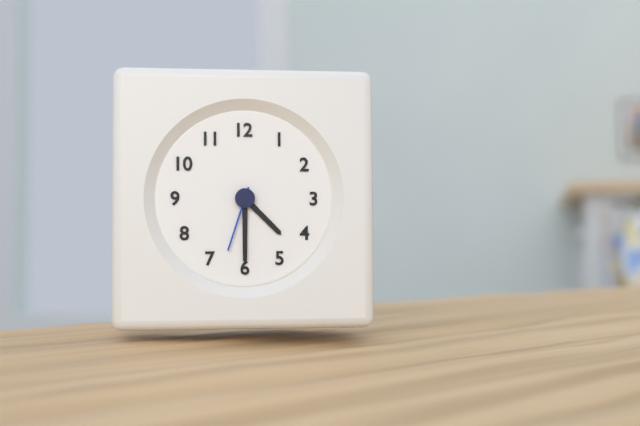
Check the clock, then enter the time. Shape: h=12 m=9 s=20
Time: h=4 m=30 s=33
